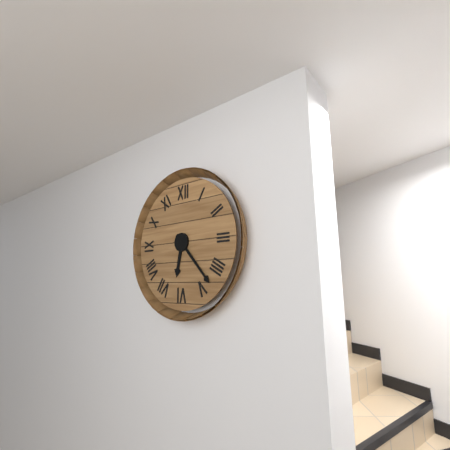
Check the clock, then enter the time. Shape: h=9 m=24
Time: h=6 m=23
